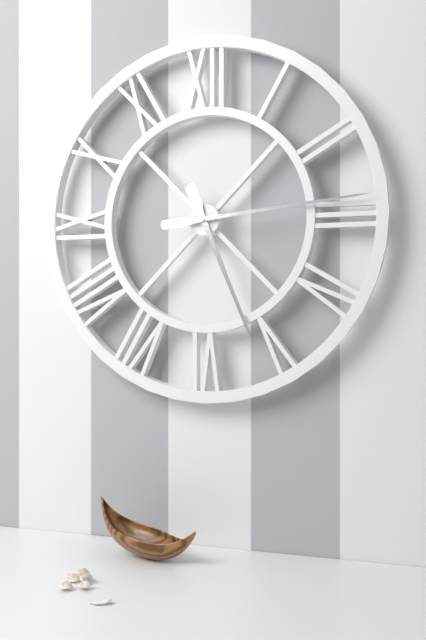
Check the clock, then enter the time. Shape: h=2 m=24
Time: h=5 m=14
